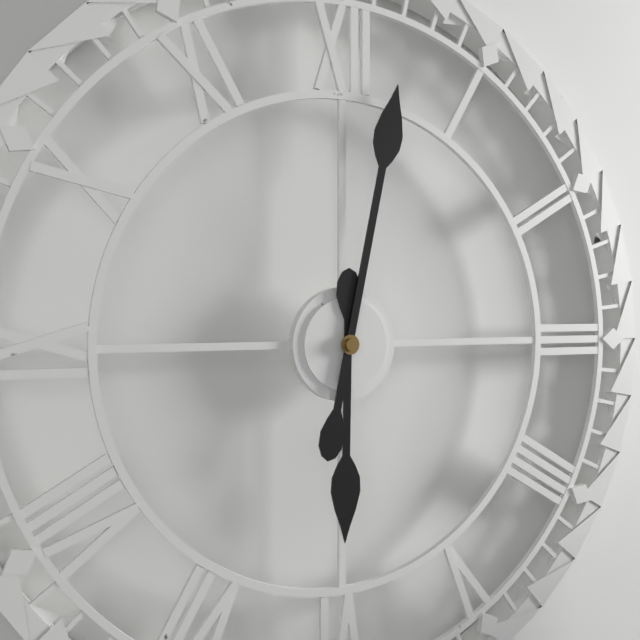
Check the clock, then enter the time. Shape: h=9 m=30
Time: h=6 m=2
